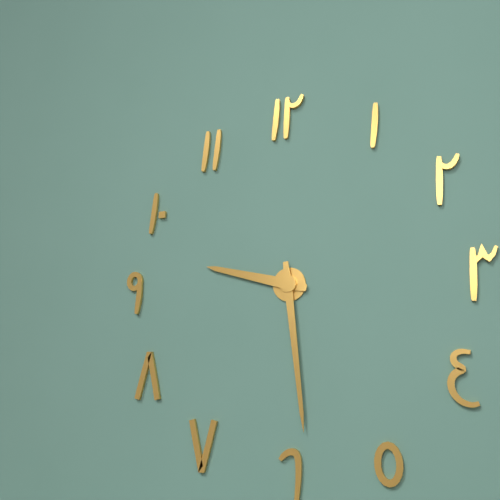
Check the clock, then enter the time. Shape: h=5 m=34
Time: h=9 m=29
